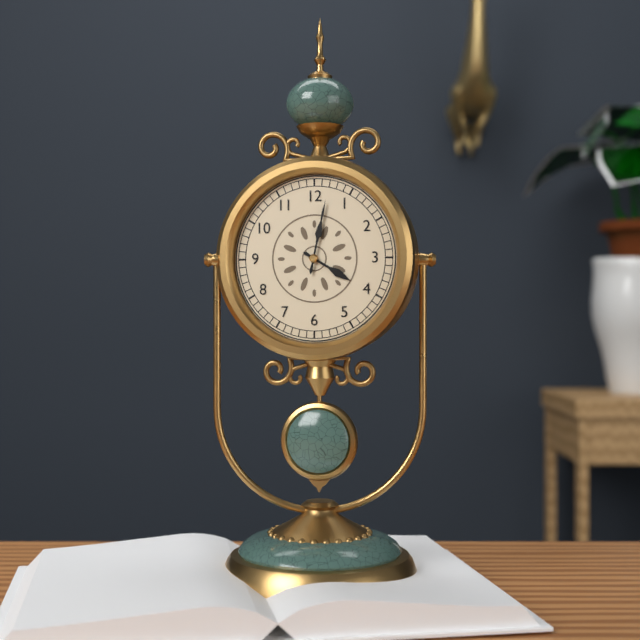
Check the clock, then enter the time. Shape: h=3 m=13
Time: h=4 m=2
